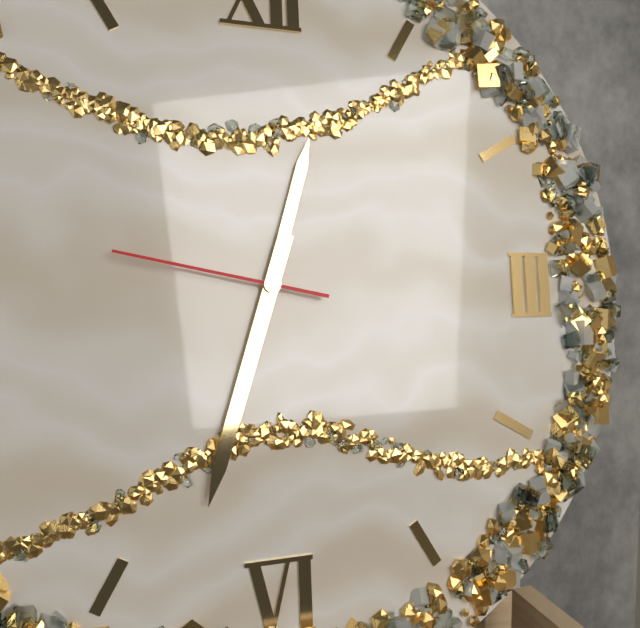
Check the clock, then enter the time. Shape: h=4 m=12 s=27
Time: h=12 m=33 s=47
